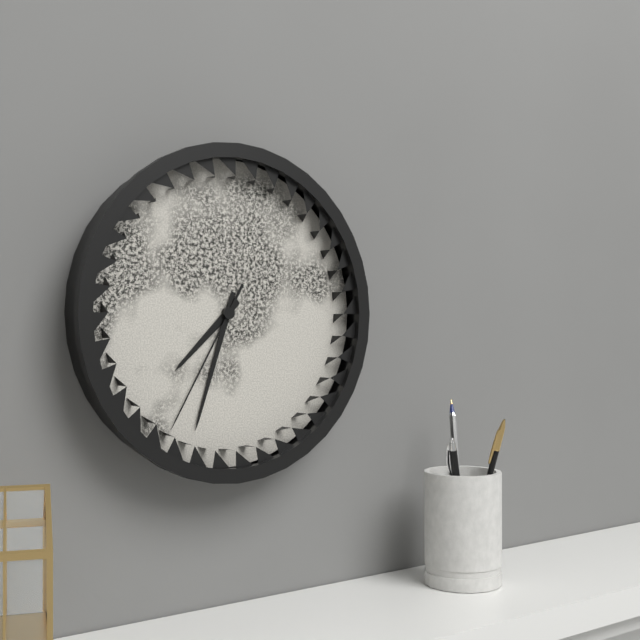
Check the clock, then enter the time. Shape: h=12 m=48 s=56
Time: h=7 m=33 s=35
